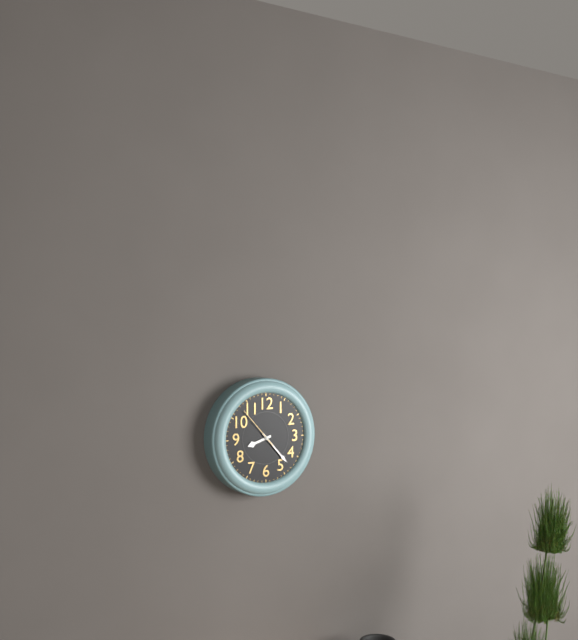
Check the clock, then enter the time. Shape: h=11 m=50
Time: h=8 m=23
